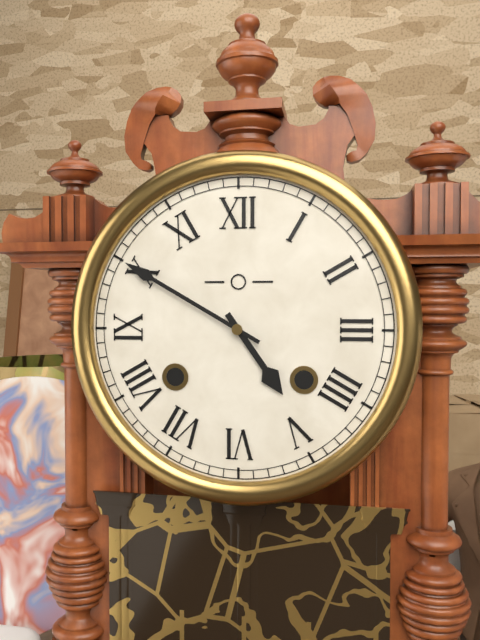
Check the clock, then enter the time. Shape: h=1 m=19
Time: h=4 m=50
